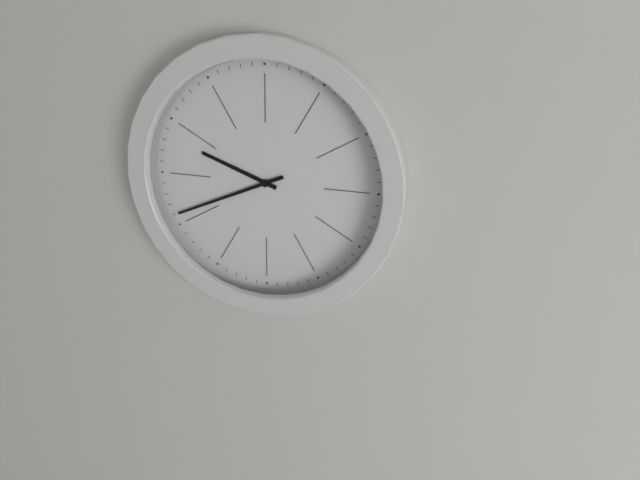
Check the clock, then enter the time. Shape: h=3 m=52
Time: h=9 m=41
